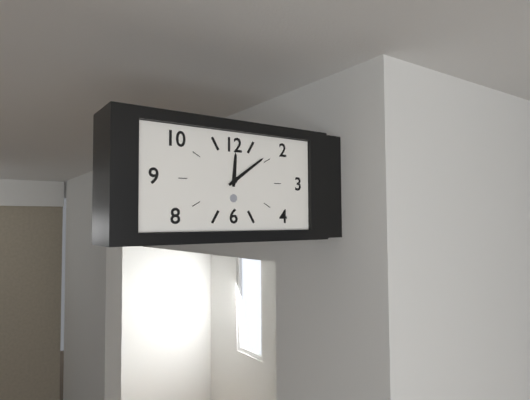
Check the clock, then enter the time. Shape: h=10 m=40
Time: h=12 m=9
